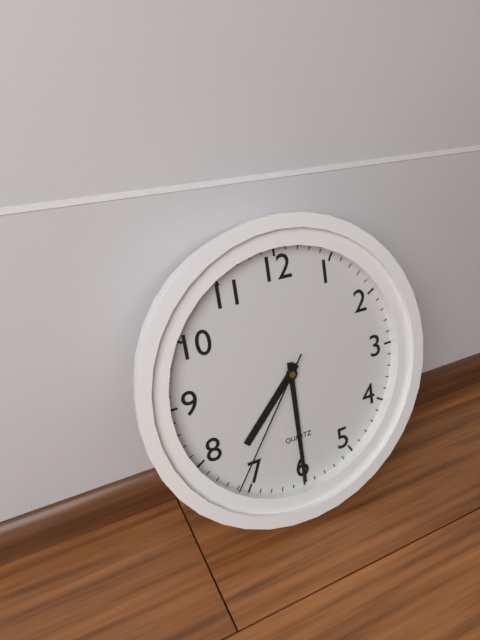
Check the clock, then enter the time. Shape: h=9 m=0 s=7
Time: h=7 m=30 s=36
